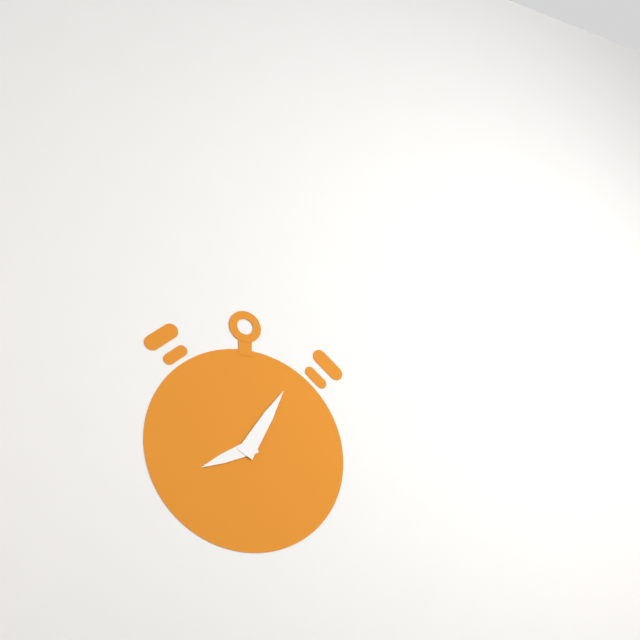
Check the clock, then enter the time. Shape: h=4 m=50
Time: h=8 m=5
